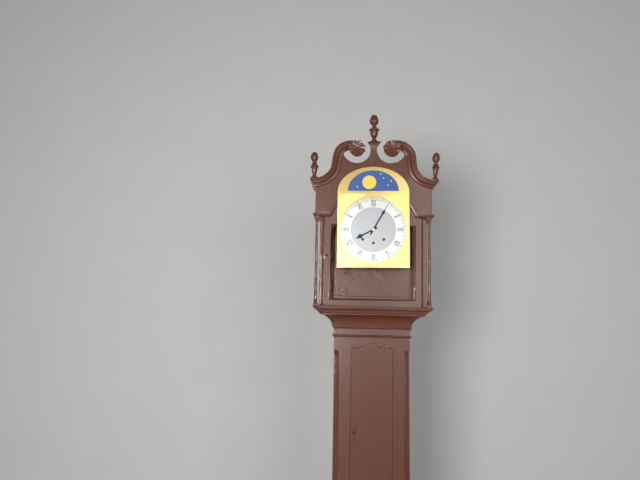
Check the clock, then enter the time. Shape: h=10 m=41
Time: h=8 m=5
